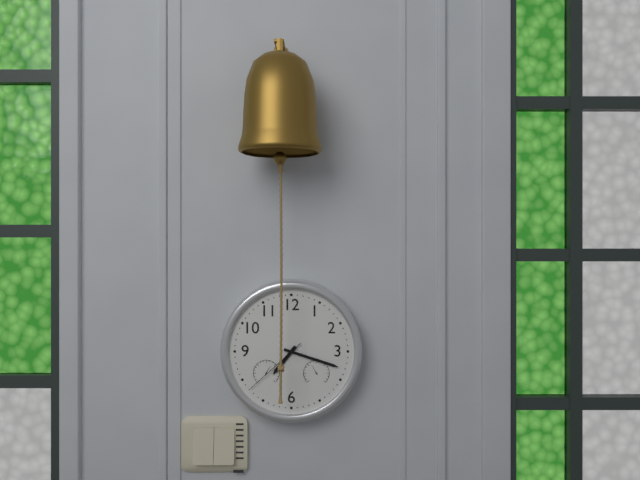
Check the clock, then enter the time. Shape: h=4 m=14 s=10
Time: h=7 m=18 s=38
